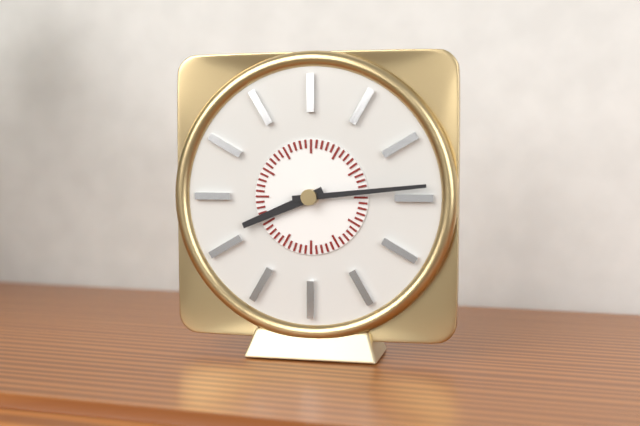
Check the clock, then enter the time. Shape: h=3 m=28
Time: h=8 m=14
